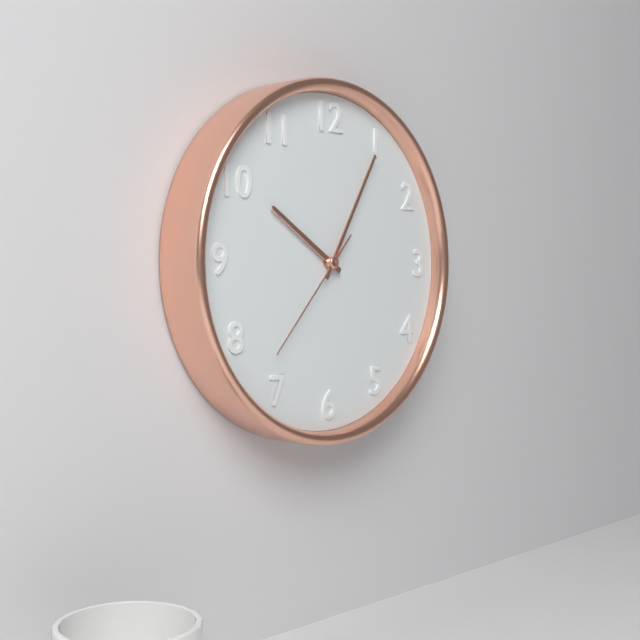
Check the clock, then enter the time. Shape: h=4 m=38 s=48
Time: h=10 m=5 s=37
